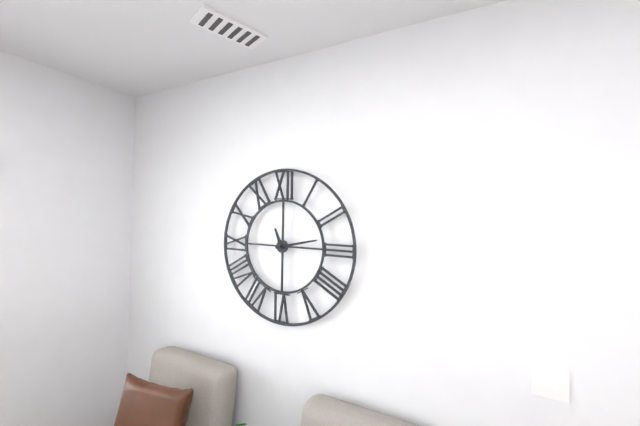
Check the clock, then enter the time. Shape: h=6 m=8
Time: h=11 m=13
